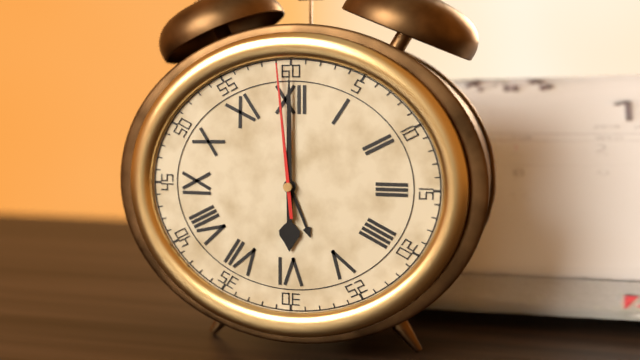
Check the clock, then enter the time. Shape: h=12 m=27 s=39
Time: h=6 m=0 s=59
